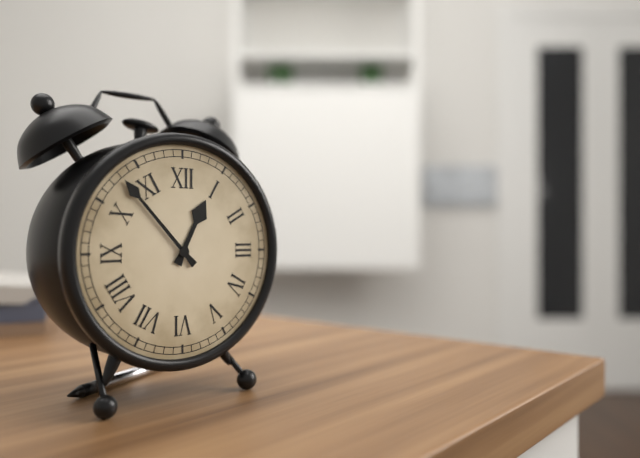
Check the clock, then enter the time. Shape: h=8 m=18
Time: h=12 m=53
